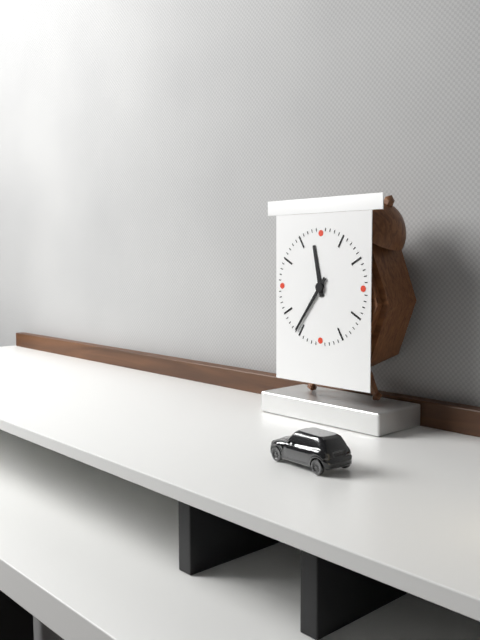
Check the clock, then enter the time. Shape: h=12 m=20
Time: h=11 m=36
